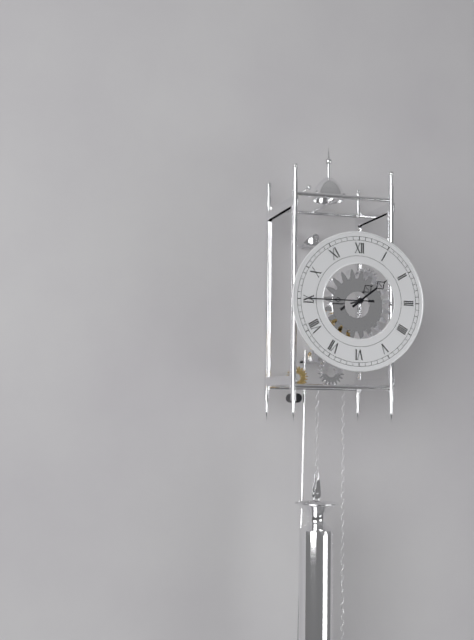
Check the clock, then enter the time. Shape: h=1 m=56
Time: h=1 m=45
